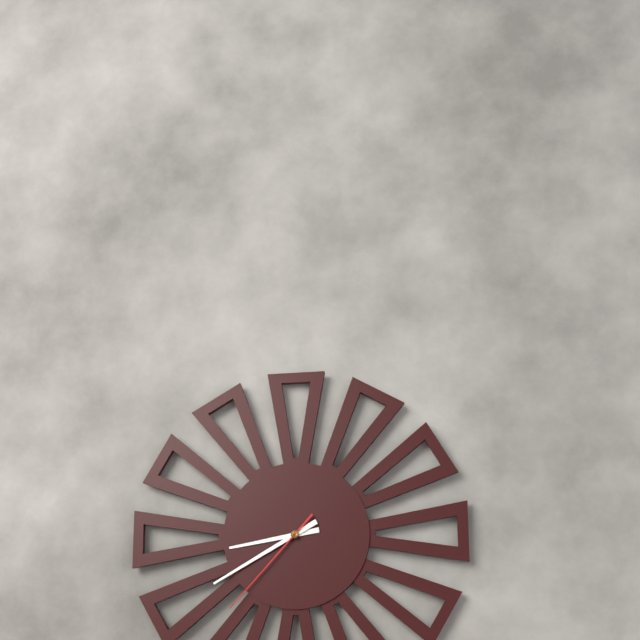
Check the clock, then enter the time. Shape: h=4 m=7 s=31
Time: h=8 m=40 s=37
